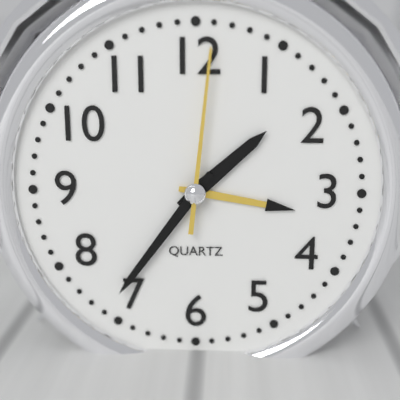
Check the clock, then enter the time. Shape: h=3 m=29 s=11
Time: h=1 m=36 s=1
